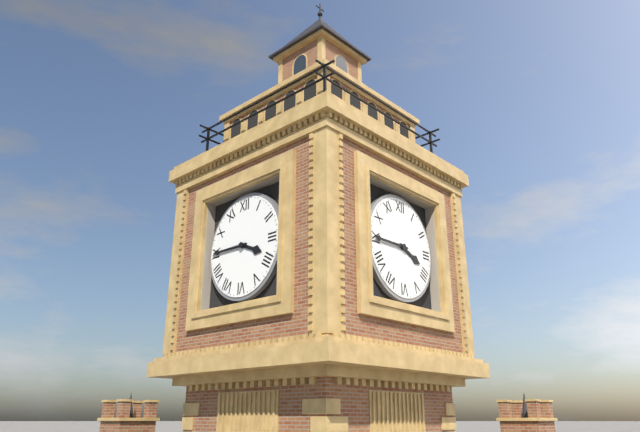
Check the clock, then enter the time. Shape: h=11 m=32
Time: h=3 m=45
